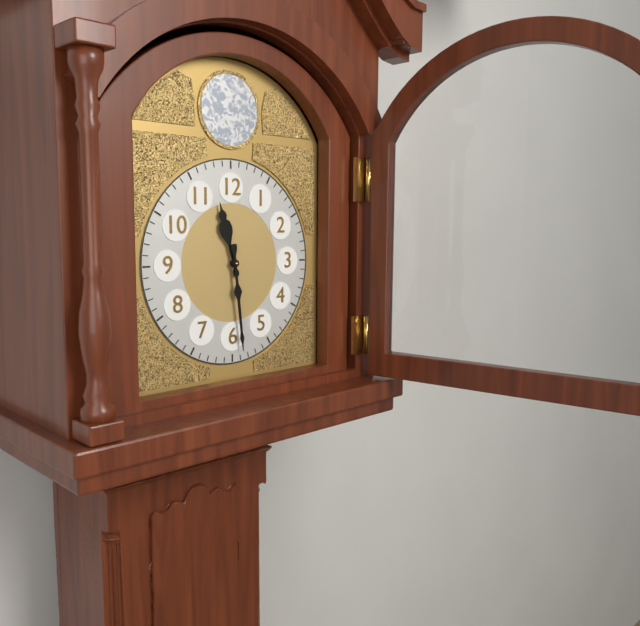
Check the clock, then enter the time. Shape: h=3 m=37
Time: h=11 m=29
